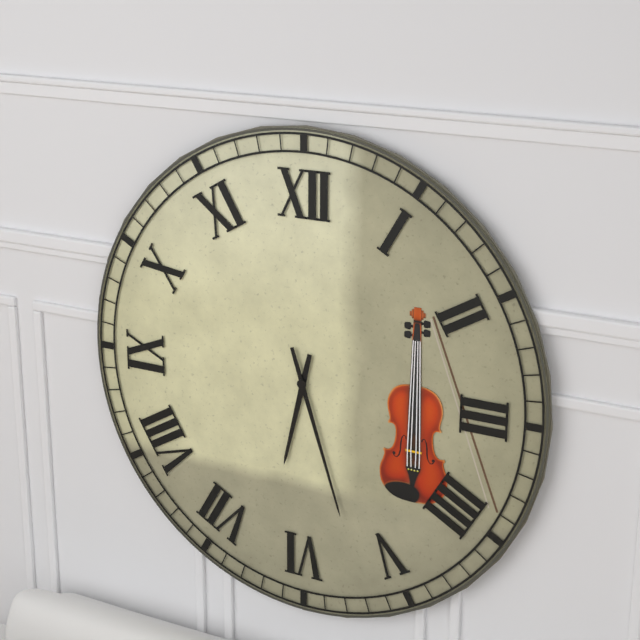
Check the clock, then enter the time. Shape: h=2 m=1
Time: h=6 m=27
